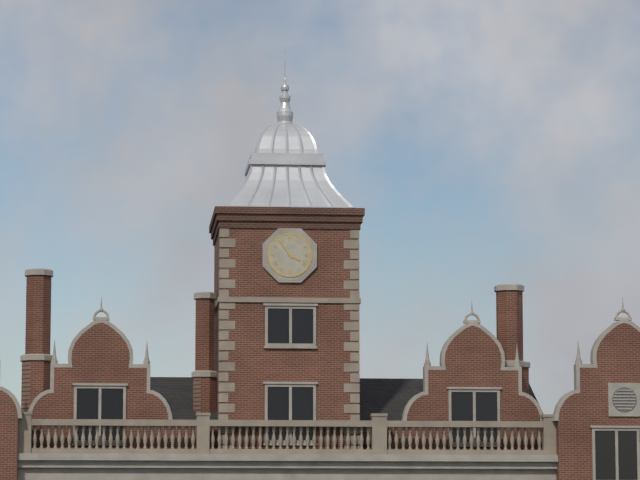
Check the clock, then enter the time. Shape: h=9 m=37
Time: h=3 m=54
